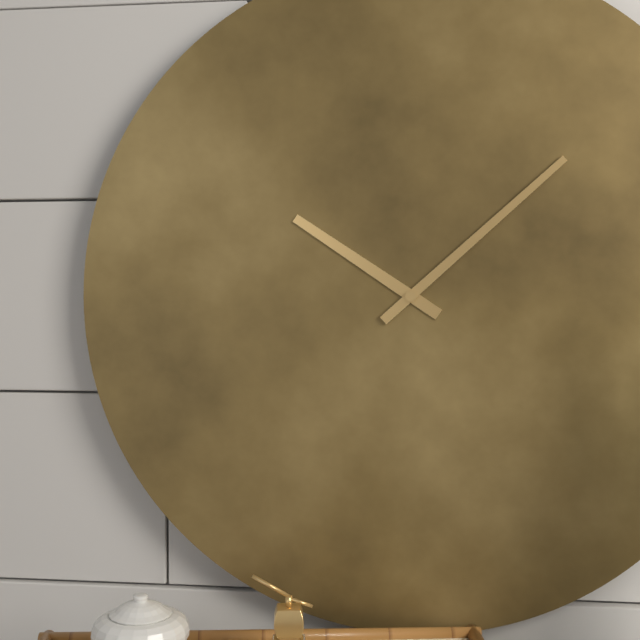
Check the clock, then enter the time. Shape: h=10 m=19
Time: h=10 m=8
